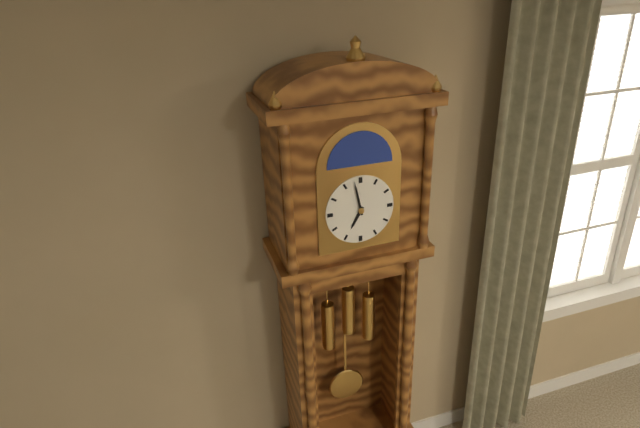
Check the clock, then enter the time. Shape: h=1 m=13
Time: h=6 m=58
